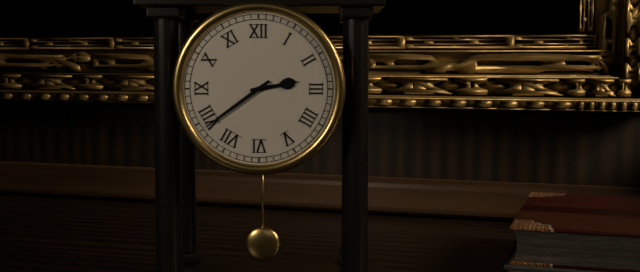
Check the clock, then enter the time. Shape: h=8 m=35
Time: h=2 m=39
